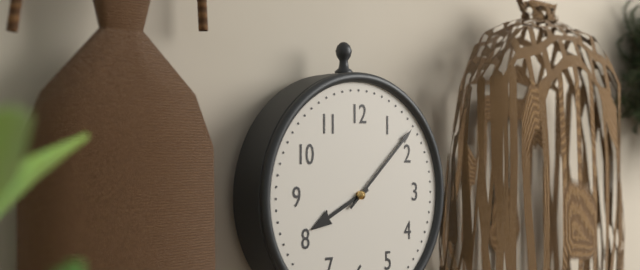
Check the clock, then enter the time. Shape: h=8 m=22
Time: h=8 m=8
